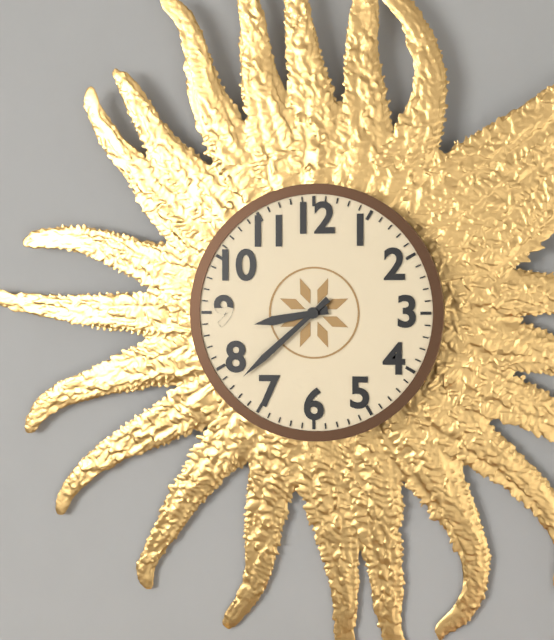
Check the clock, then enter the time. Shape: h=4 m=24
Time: h=8 m=38
